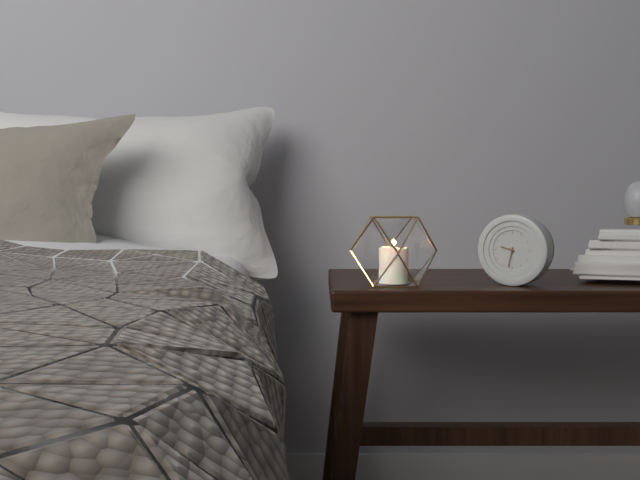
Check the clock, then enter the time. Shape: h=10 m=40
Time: h=9 m=32
